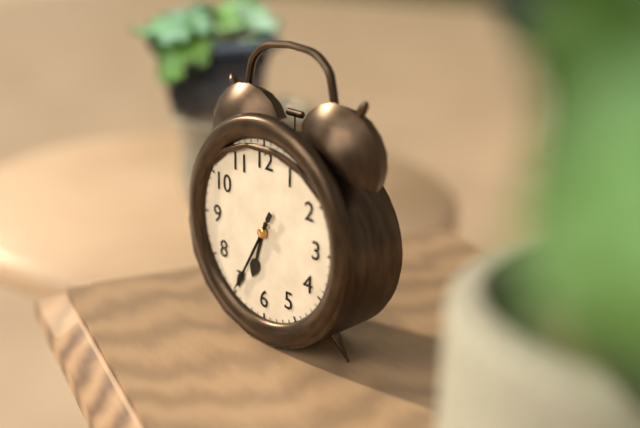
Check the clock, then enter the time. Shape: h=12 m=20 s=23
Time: h=6 m=35 s=35
